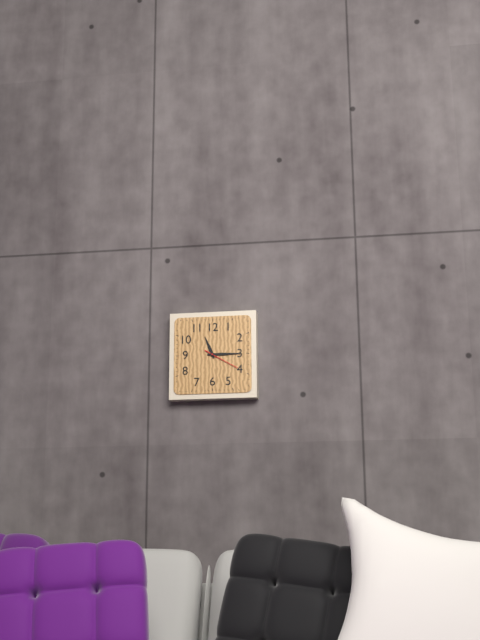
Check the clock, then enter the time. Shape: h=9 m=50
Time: h=11 m=15
